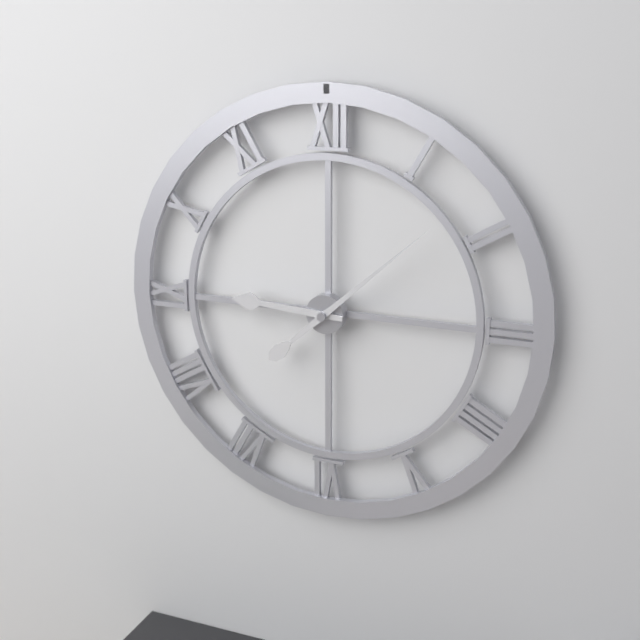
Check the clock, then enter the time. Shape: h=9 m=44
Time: h=9 m=8
